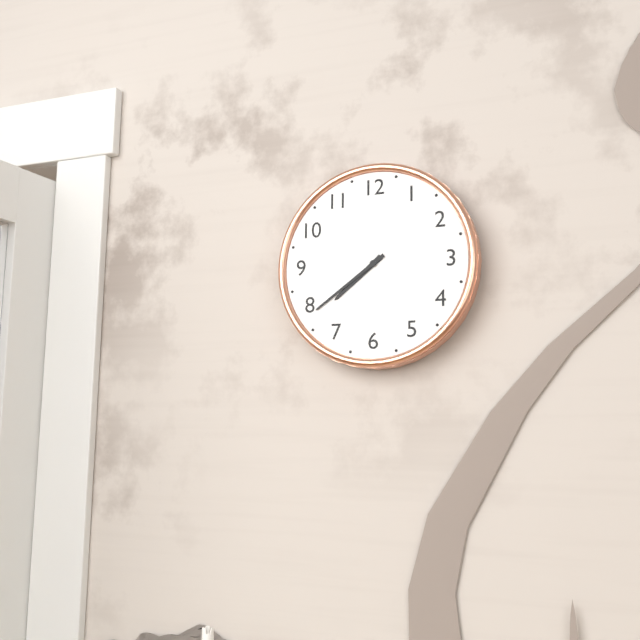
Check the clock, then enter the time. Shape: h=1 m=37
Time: h=7 m=39
